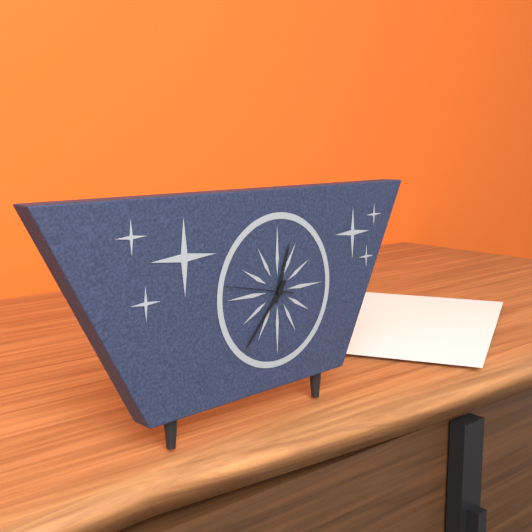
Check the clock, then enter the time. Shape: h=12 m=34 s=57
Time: h=12 m=37 s=47
